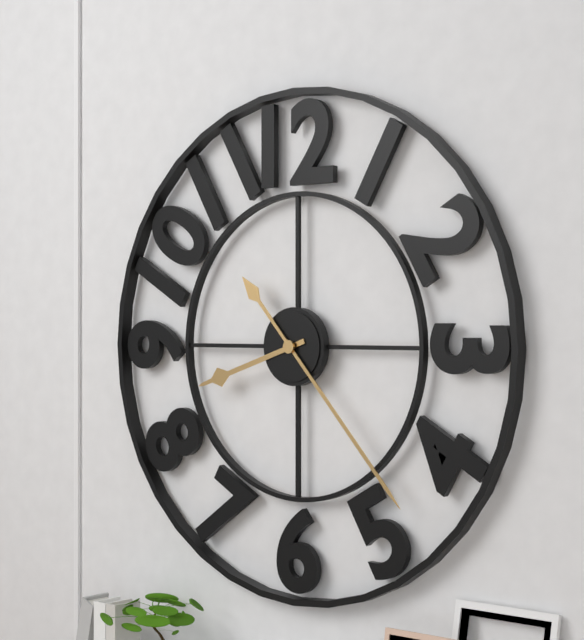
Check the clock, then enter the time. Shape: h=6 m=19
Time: h=8 m=23
